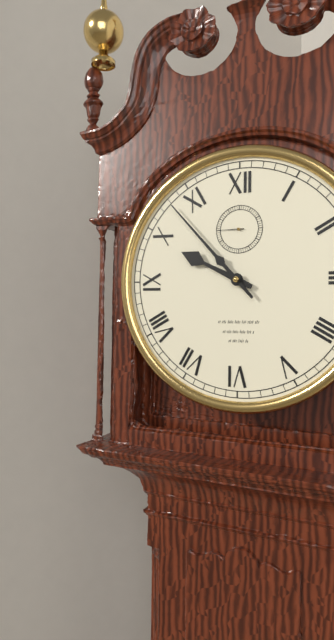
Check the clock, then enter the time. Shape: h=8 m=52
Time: h=9 m=53
